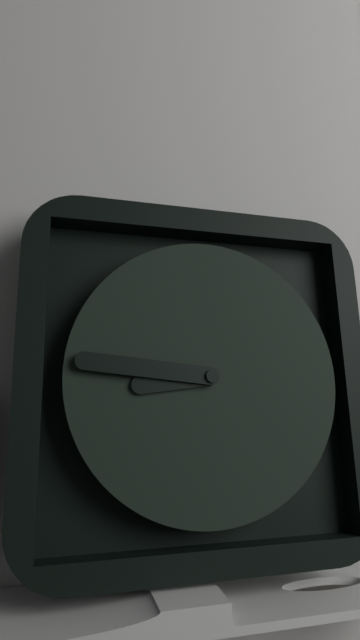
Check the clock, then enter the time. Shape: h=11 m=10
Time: h=8 m=46
